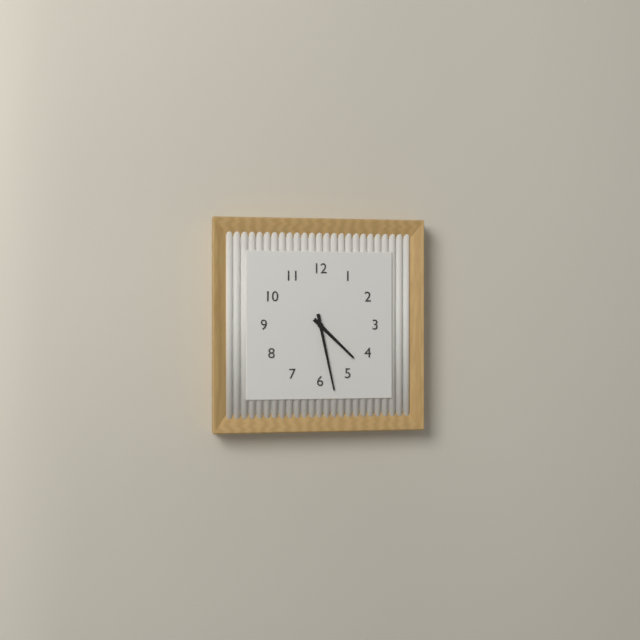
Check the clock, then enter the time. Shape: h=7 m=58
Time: h=4 m=28
